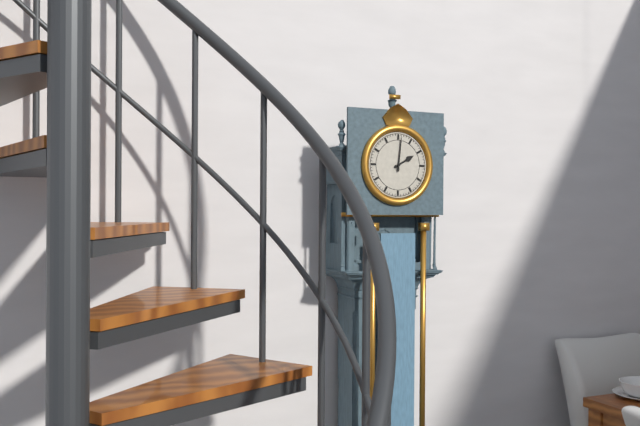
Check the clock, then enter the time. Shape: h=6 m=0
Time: h=2 m=1
